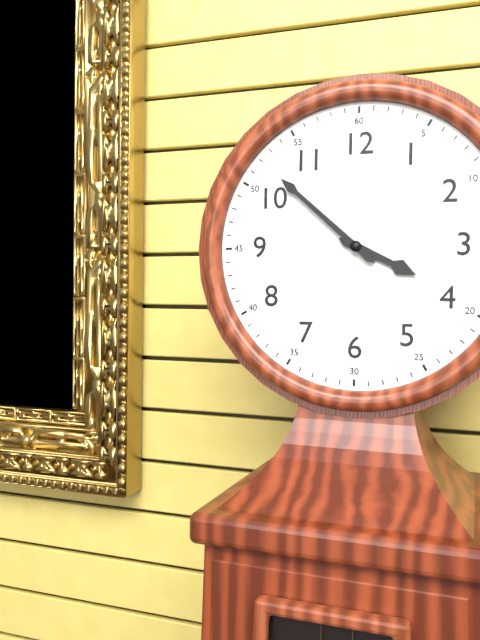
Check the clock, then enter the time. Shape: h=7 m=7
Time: h=3 m=52
